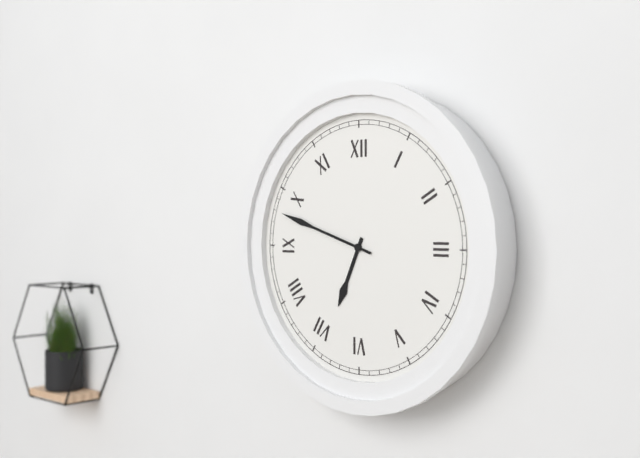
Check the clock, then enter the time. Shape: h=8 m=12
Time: h=6 m=48
